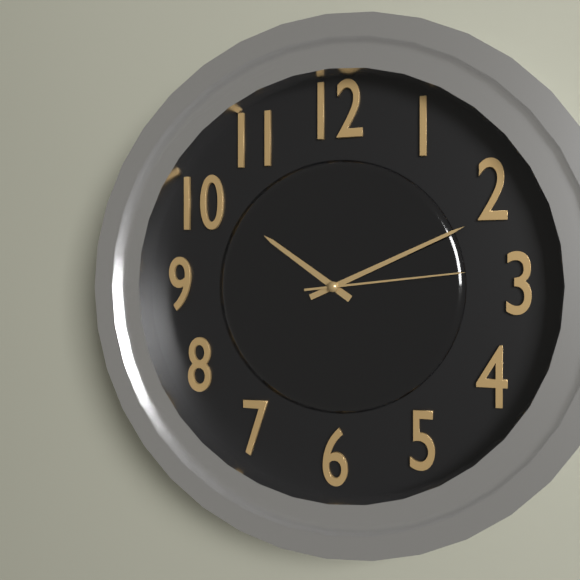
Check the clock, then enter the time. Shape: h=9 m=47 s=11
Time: h=10 m=11 s=14
